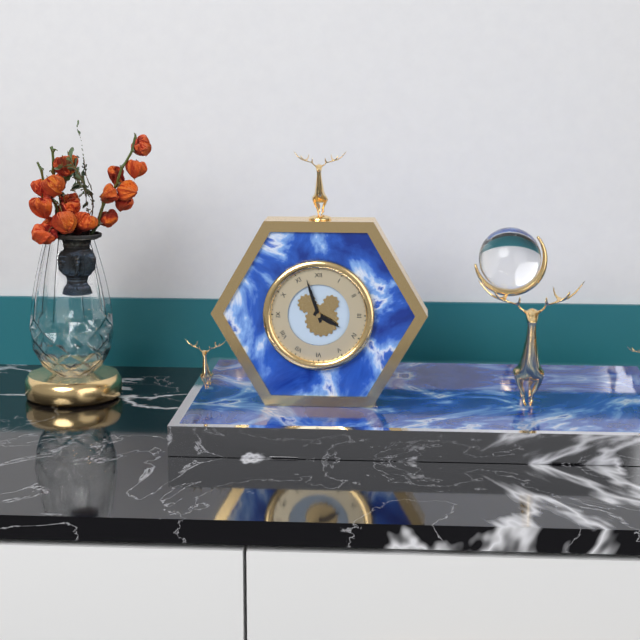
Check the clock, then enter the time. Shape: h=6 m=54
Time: h=3 m=57
